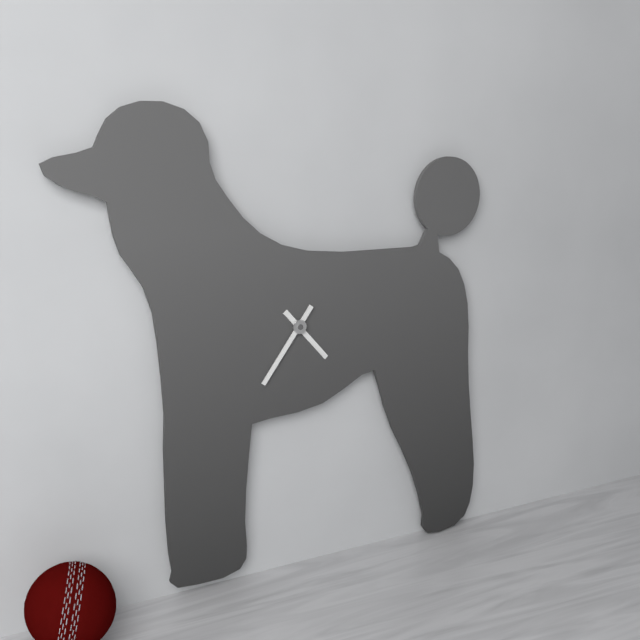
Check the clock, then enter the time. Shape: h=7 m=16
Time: h=4 m=36
